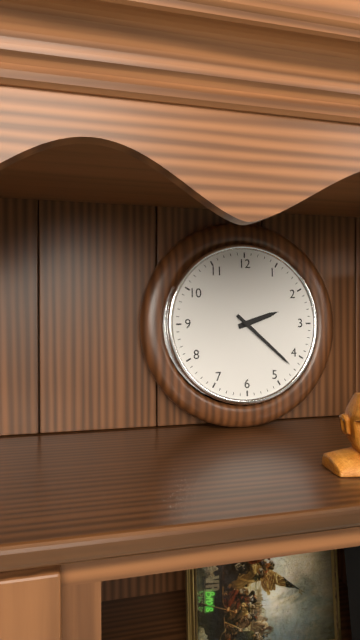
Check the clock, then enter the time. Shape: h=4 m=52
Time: h=2 m=22
